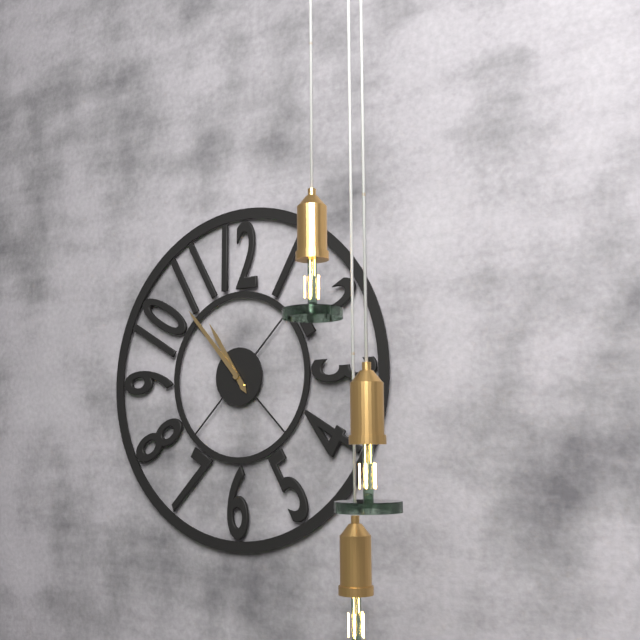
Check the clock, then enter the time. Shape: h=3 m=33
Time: h=10 m=53
